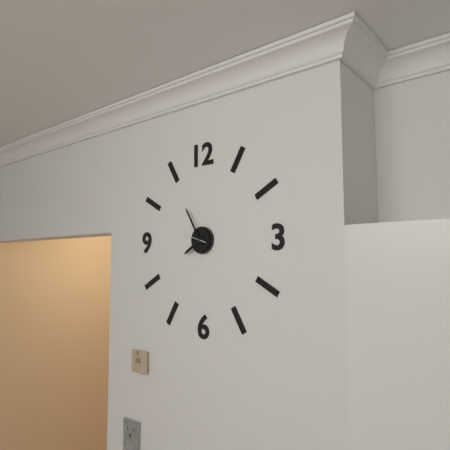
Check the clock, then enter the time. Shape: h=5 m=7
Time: h=7 m=55
